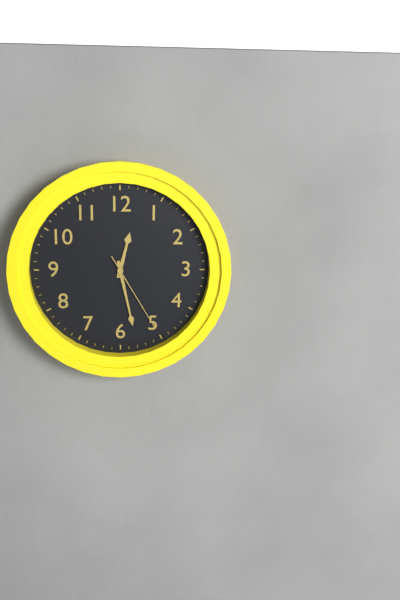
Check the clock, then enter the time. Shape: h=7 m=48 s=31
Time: h=12 m=28 s=25
